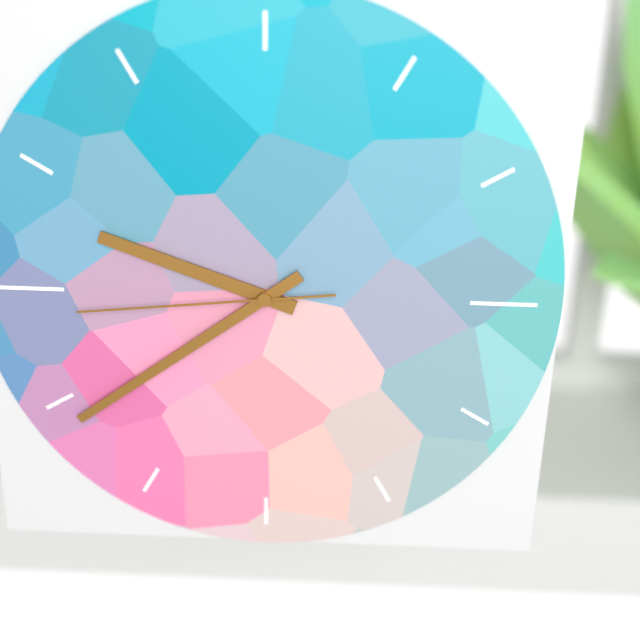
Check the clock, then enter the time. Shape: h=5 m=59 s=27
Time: h=9 m=39 s=44
